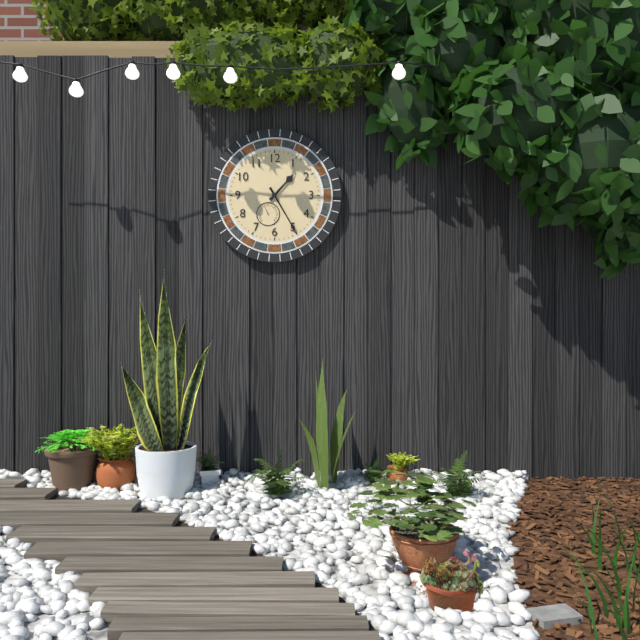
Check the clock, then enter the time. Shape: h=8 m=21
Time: h=1 m=25
